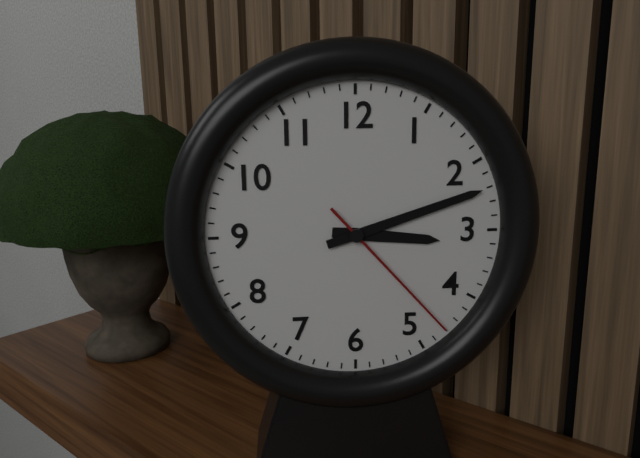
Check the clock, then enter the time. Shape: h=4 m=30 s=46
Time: h=3 m=12 s=23
